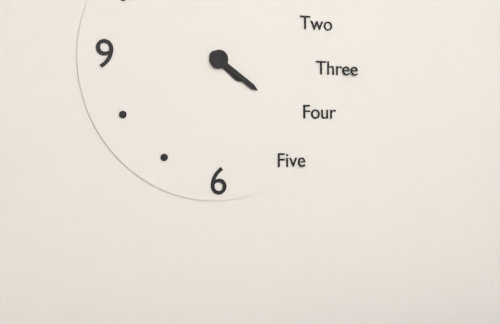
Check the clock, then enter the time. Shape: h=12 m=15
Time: h=4 m=21
